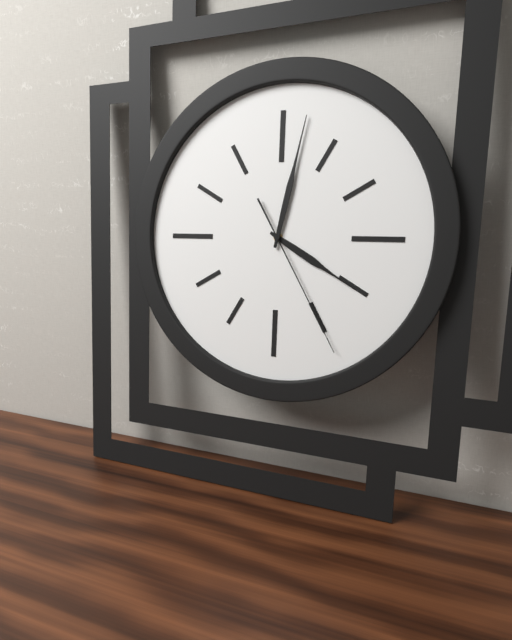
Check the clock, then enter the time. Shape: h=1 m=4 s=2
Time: h=4 m=2 s=25
